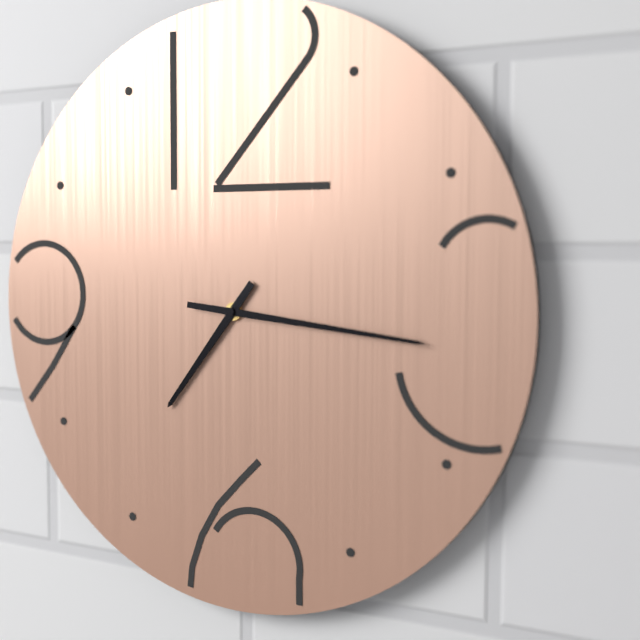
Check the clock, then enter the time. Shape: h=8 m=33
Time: h=7 m=16
